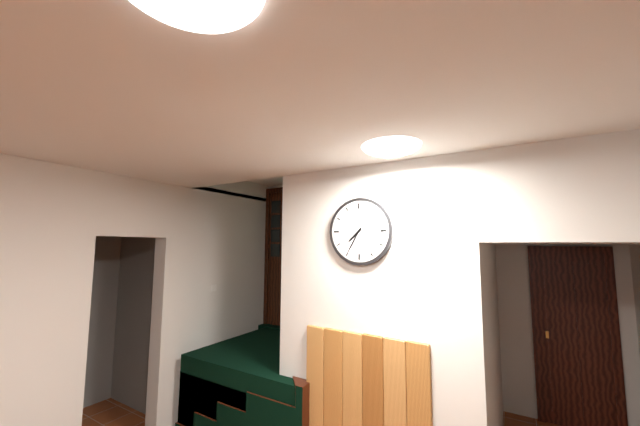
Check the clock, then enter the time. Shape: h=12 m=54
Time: h=7 m=35
